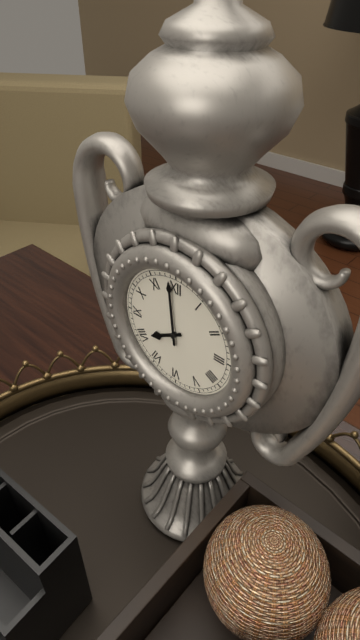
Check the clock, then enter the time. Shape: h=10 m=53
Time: h=7 m=59
